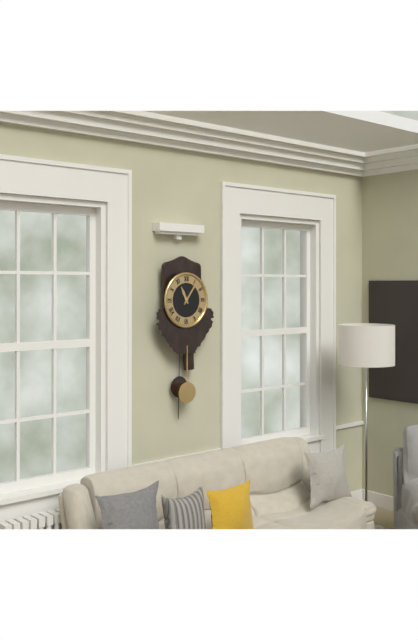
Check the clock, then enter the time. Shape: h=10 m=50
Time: h=11 m=6
